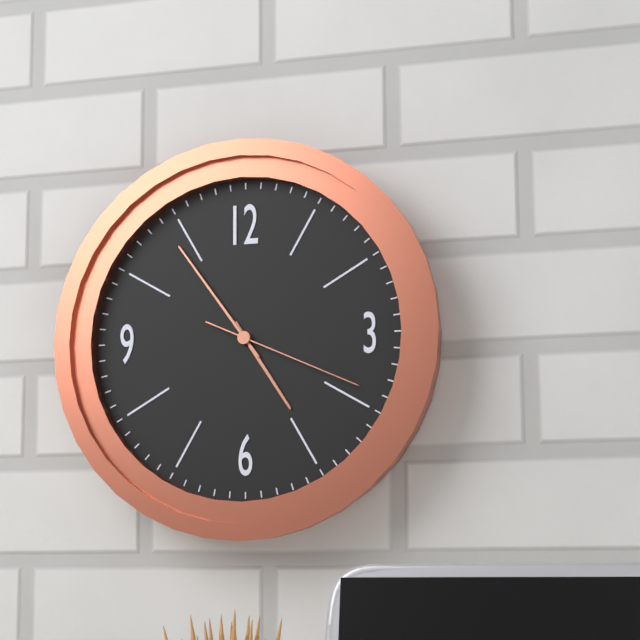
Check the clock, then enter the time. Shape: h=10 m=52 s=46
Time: h=4 m=54 s=19
